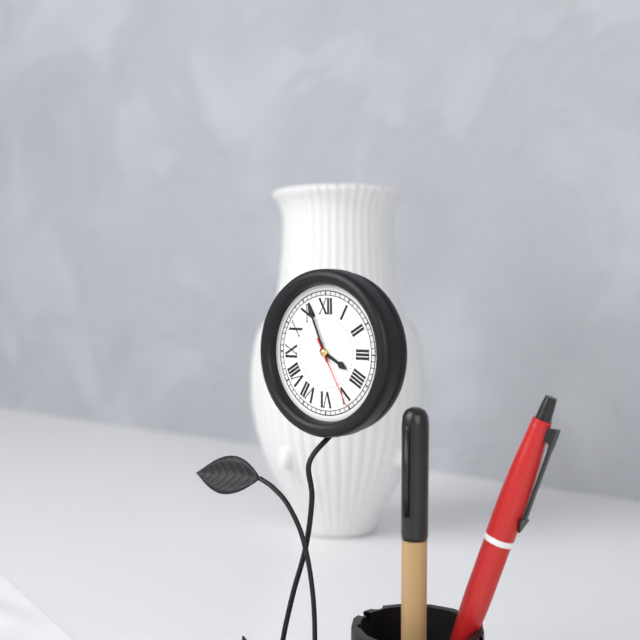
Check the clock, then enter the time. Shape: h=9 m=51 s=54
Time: h=3 m=56 s=25
